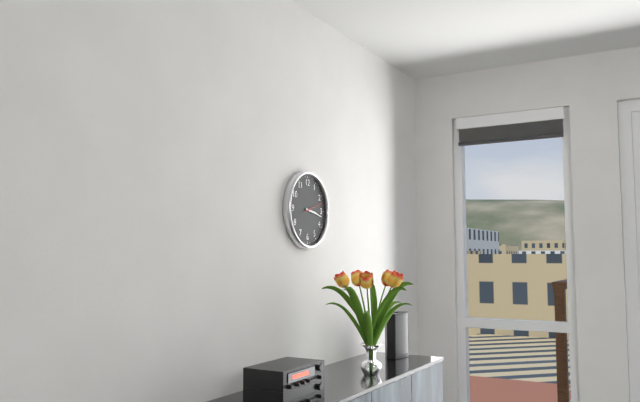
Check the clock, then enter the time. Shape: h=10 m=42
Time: h=3 m=17
